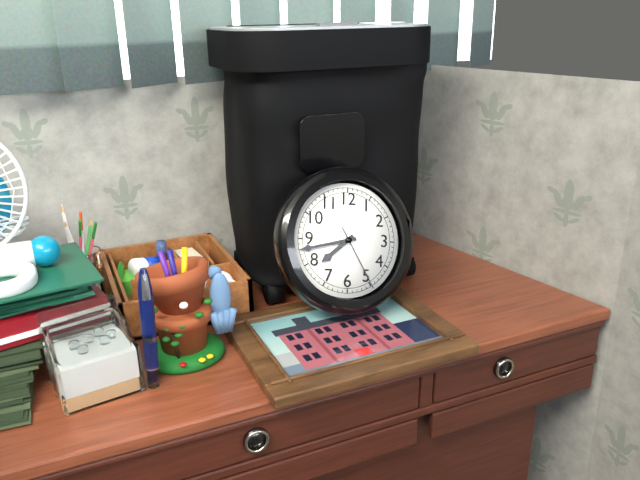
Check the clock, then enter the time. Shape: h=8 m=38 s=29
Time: h=7 m=43 s=25
